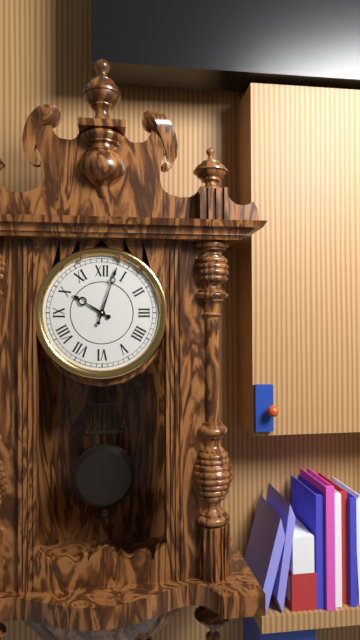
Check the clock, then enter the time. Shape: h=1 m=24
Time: h=10 m=3
